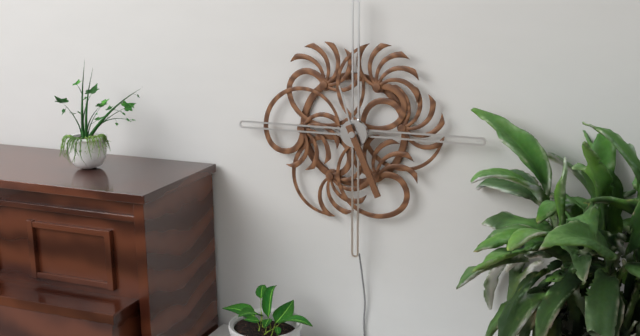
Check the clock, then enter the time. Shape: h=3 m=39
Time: h=11 m=26
